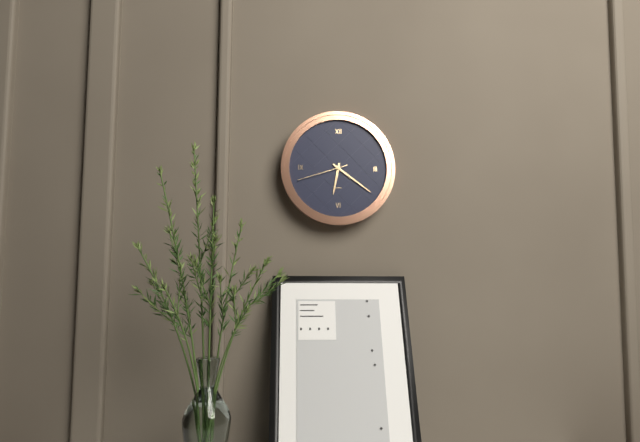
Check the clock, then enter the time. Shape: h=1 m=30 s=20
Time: h=6 m=21 s=42
